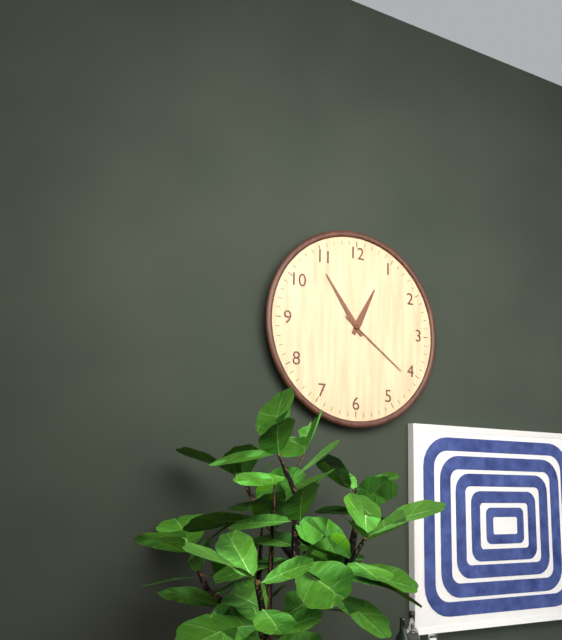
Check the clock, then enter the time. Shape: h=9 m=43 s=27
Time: h=12 m=54 s=21
